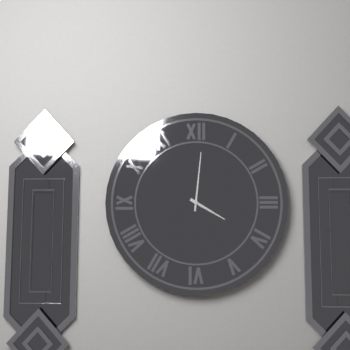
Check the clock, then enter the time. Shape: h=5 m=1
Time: h=4 m=1
